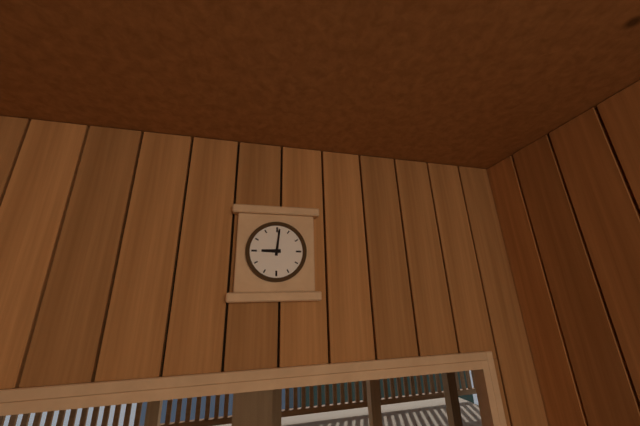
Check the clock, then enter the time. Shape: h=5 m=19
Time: h=9 m=1
